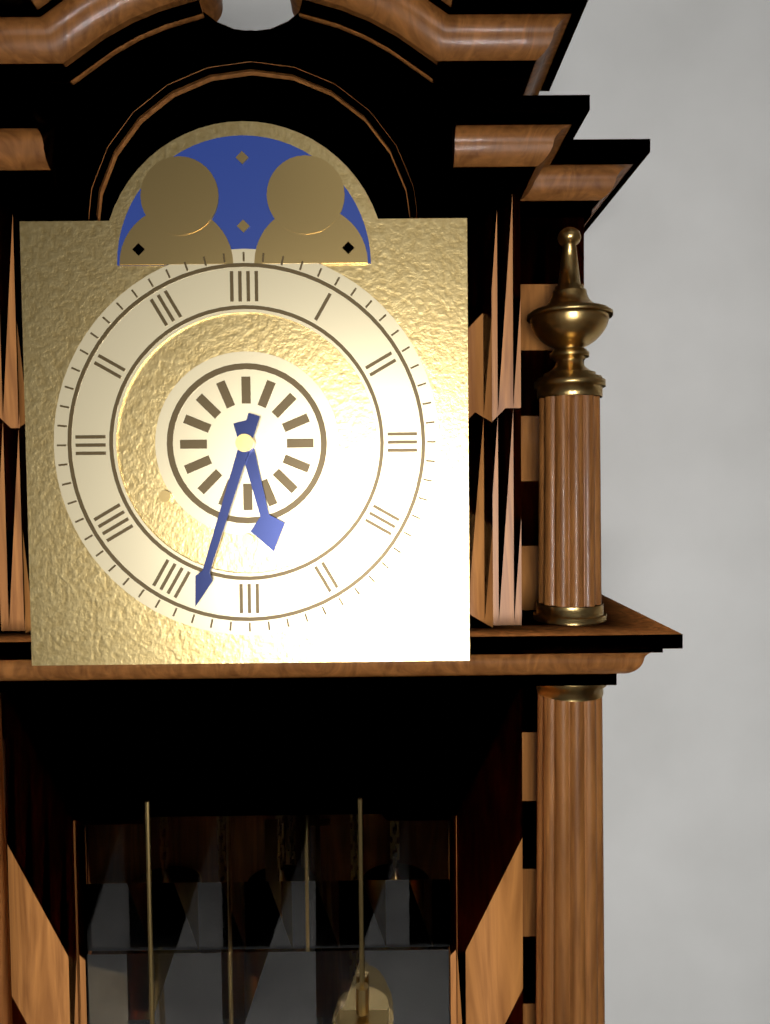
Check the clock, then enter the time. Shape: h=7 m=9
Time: h=5 m=33
